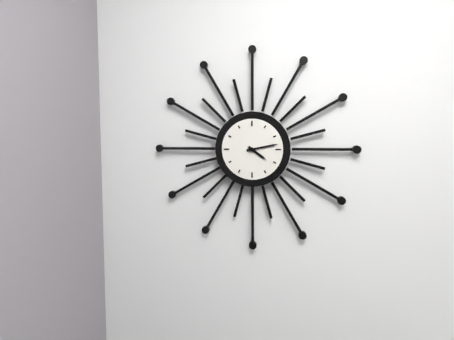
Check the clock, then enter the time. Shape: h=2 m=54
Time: h=4 m=13
